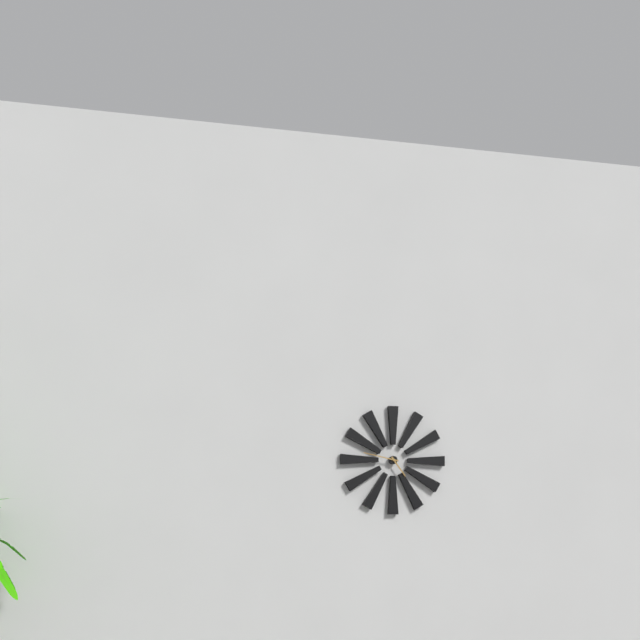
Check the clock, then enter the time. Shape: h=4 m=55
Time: h=4 m=47
